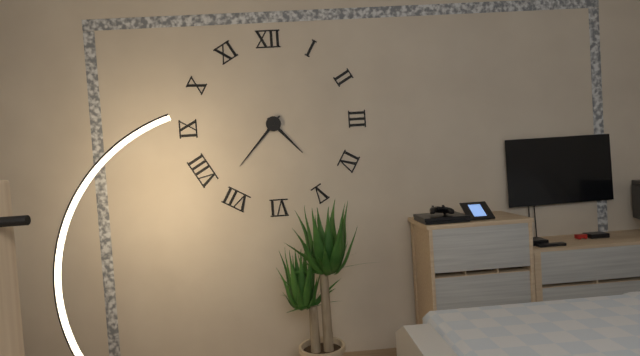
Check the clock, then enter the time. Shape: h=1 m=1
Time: h=4 m=37
